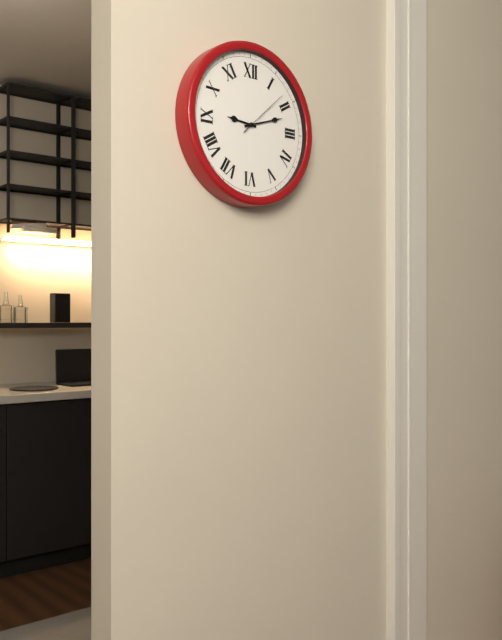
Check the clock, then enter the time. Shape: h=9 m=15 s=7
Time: h=9 m=12 s=8
